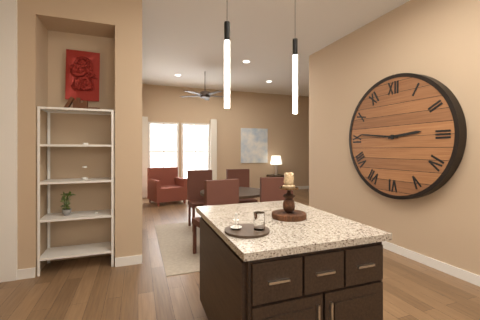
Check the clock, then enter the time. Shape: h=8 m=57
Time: h=2 m=46
